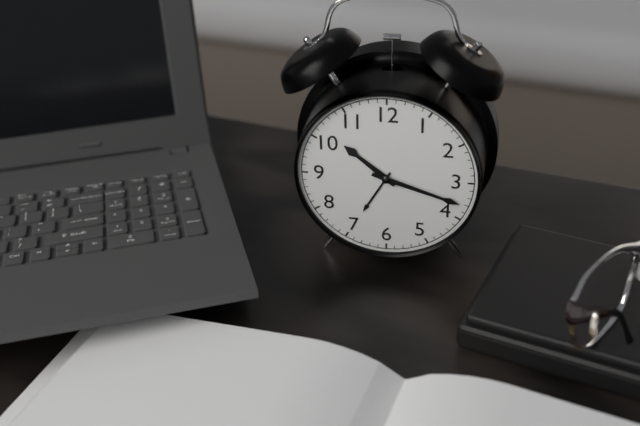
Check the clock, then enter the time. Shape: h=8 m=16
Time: h=10 m=18
